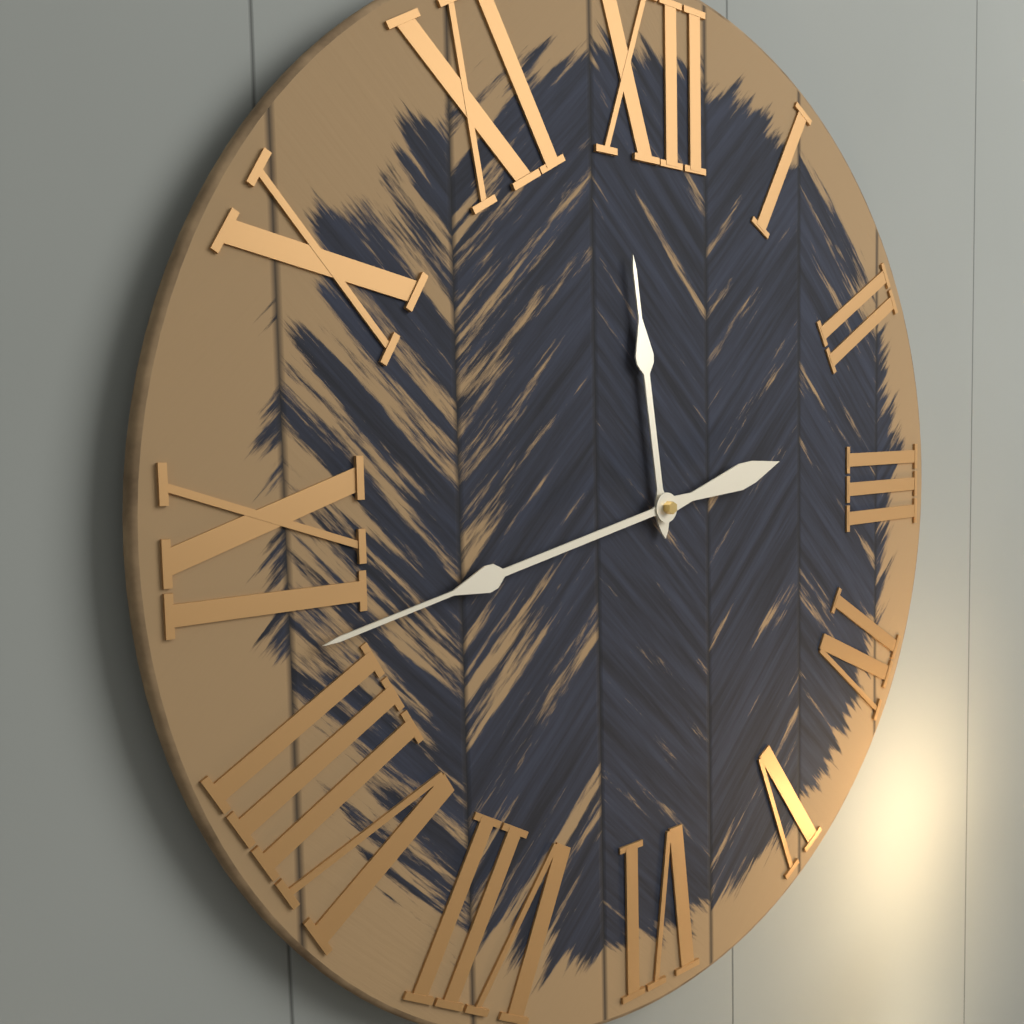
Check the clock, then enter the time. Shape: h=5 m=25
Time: h=11 m=43
